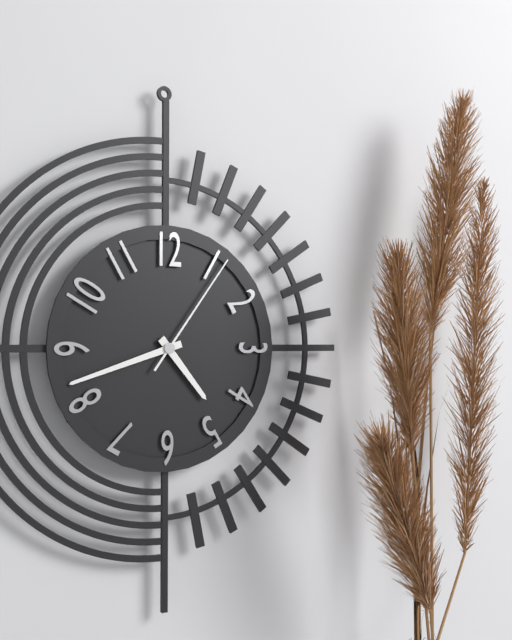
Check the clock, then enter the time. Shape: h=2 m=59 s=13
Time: h=4 m=42 s=6
